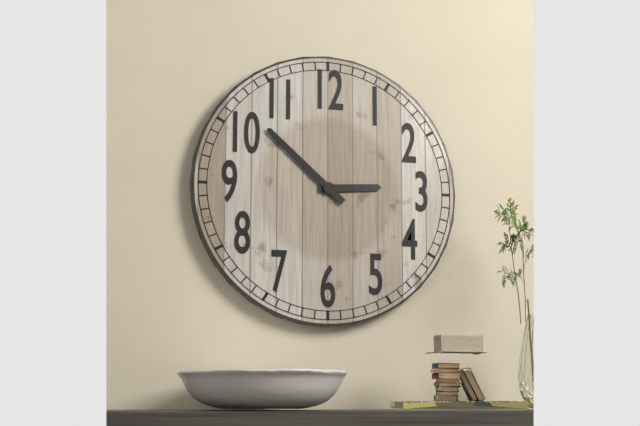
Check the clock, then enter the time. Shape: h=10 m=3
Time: h=2 m=52
